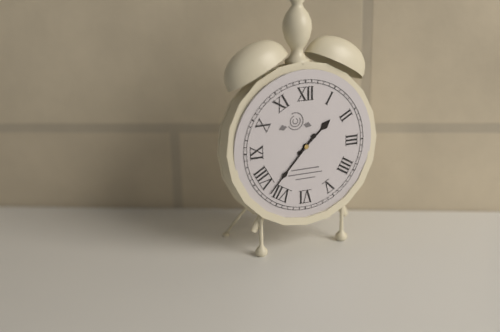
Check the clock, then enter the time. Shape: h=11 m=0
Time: h=1 m=37
